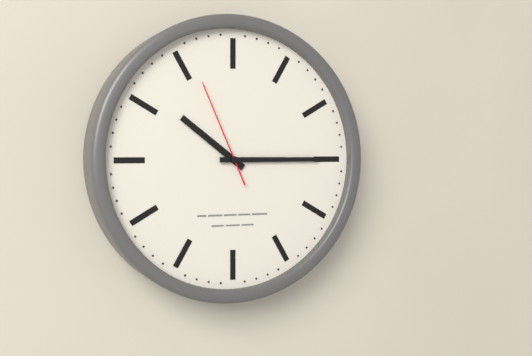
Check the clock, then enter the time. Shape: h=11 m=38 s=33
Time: h=10 m=15 s=56
